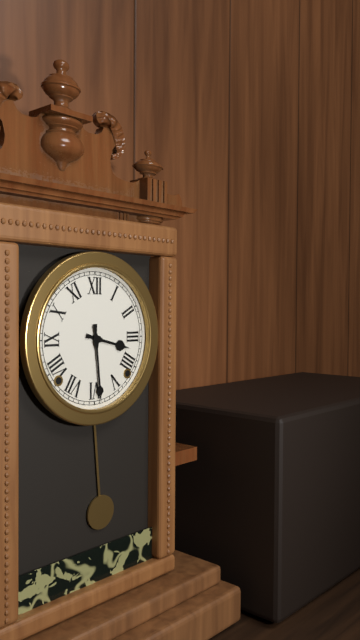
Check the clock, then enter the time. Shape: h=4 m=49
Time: h=3 m=29
